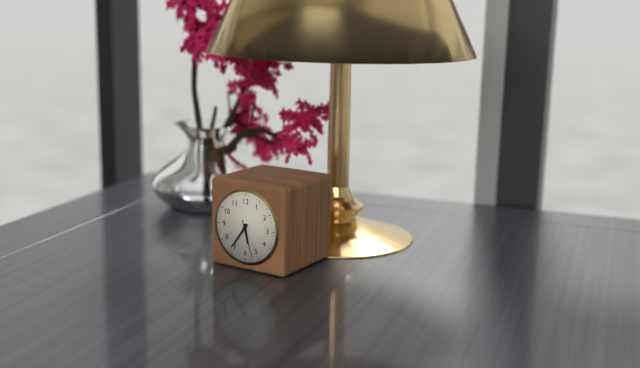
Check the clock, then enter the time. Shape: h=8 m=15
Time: h=5 m=36
